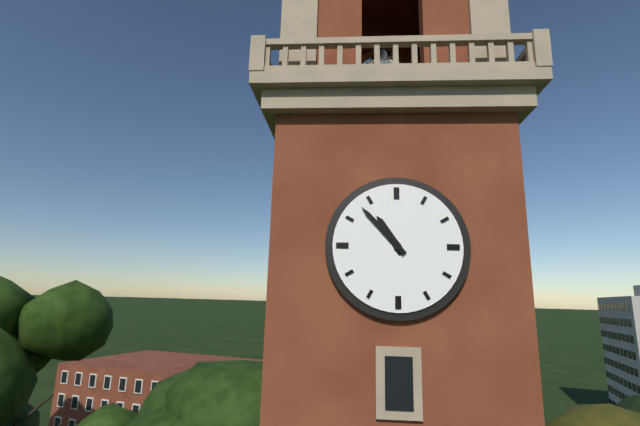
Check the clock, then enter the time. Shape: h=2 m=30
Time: h=10 m=53
